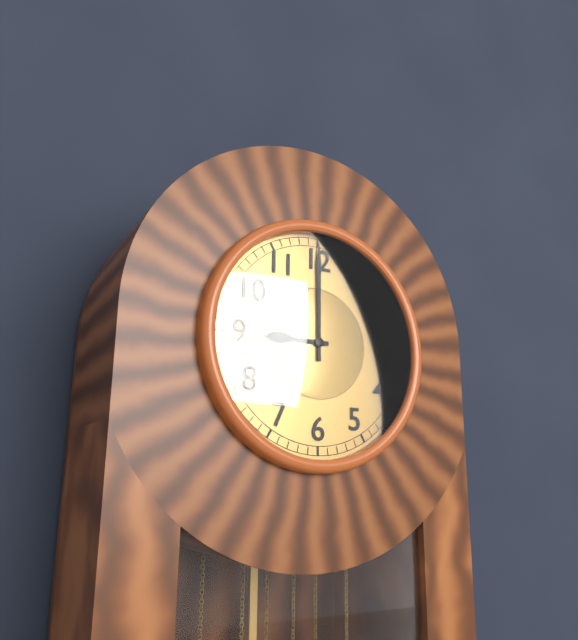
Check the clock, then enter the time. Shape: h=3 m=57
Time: h=9 m=0
